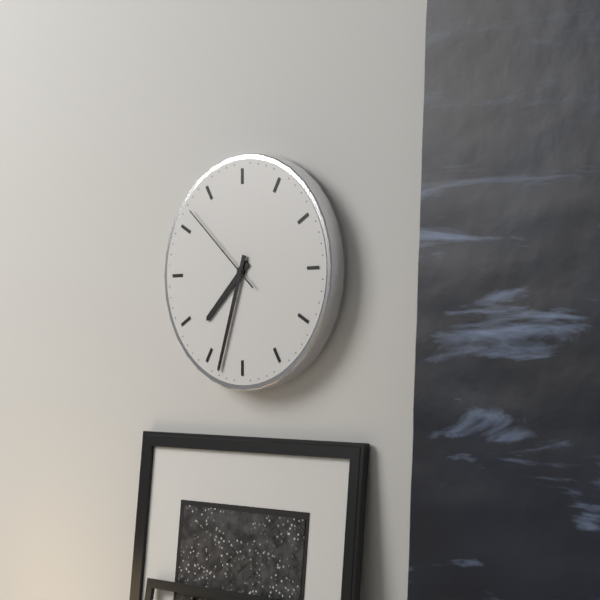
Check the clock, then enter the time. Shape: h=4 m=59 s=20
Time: h=7 m=33 s=52
